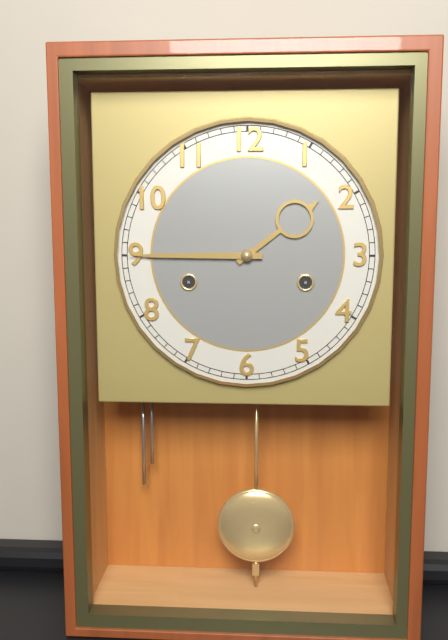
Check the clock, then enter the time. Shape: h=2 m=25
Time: h=1 m=45
